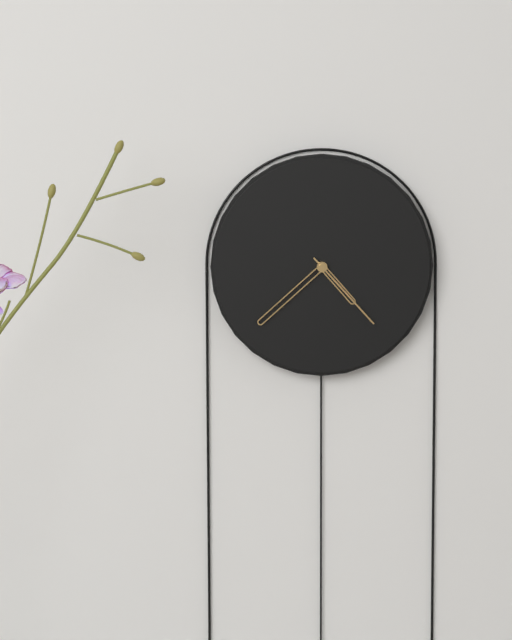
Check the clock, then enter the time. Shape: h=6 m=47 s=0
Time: h=4 m=38 s=23
